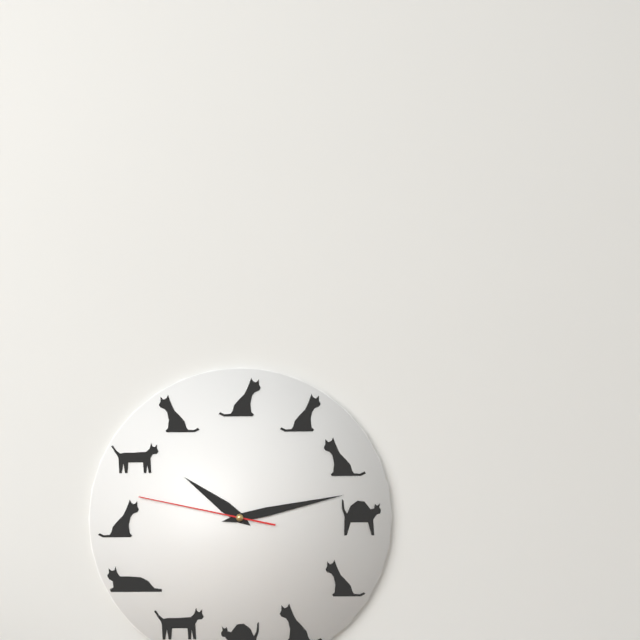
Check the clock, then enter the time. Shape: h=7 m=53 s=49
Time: h=10 m=13 s=47
